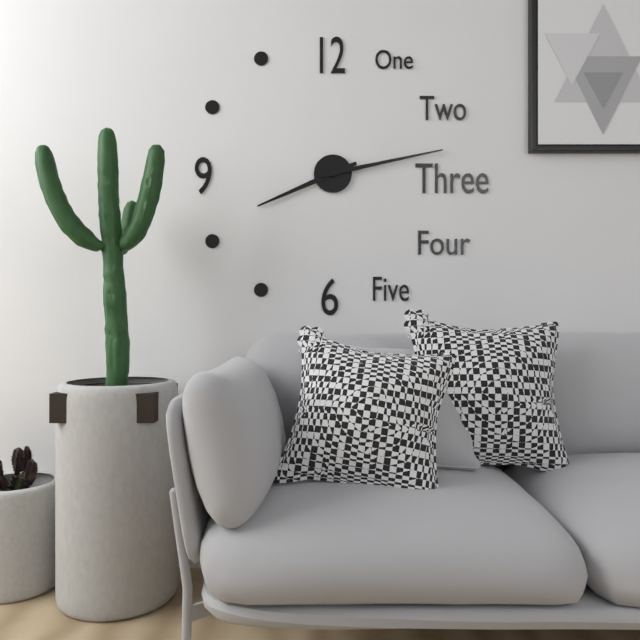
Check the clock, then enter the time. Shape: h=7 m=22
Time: h=8 m=13
